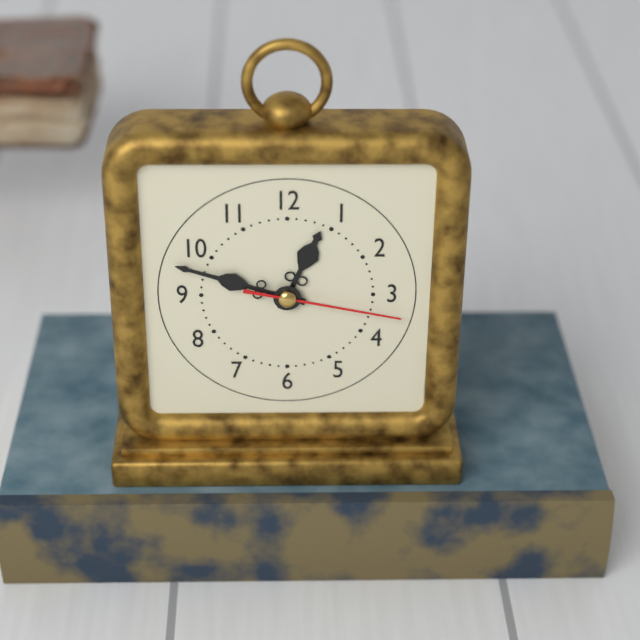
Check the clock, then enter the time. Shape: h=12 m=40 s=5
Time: h=12 m=48 s=17
